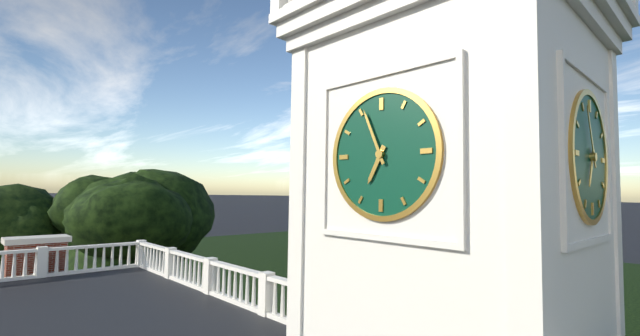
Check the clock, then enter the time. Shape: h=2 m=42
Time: h=6 m=56
